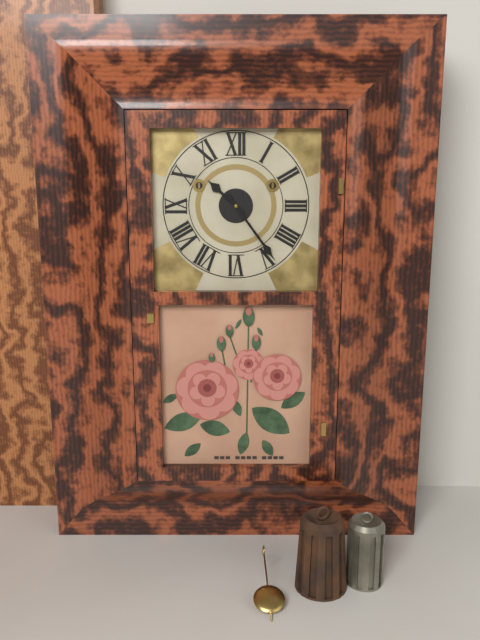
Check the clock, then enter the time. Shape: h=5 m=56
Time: h=10 m=24
